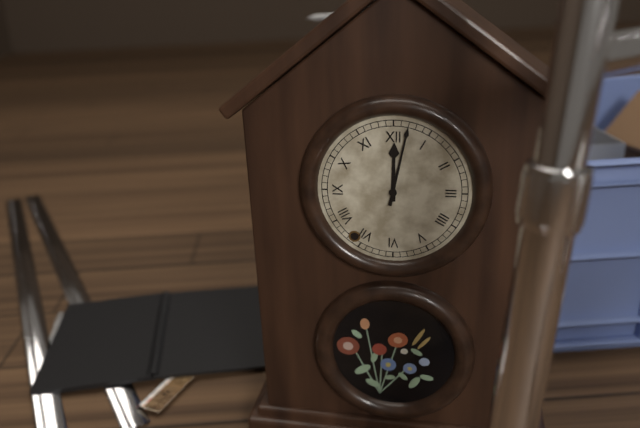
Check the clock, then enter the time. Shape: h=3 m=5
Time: h=12 m=2
